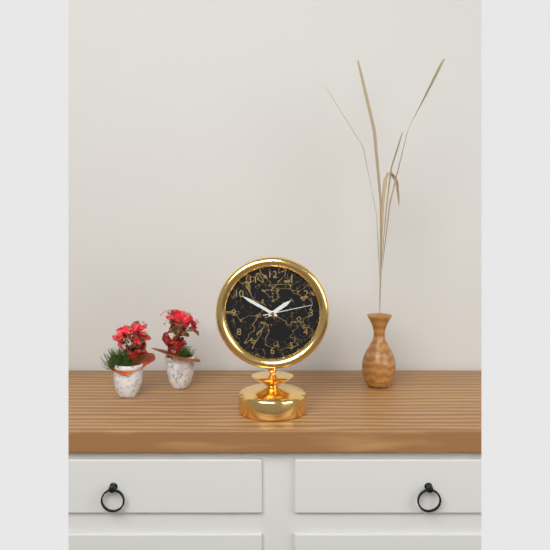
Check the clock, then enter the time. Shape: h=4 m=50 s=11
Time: h=1 m=50 s=13
